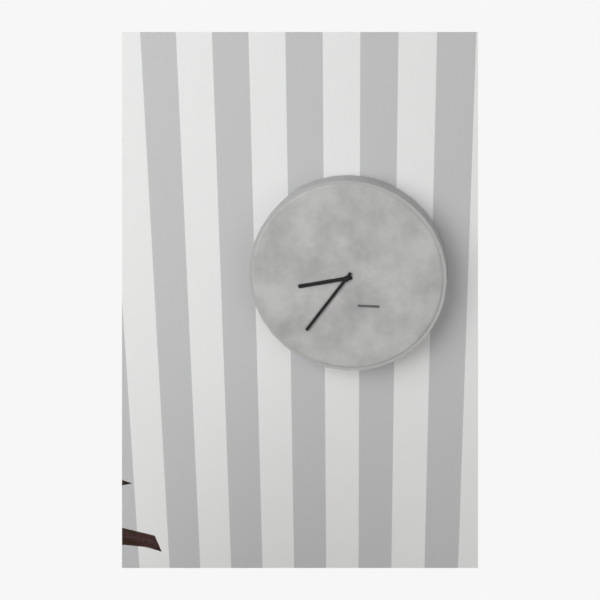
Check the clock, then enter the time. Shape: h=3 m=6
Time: h=8 m=36
